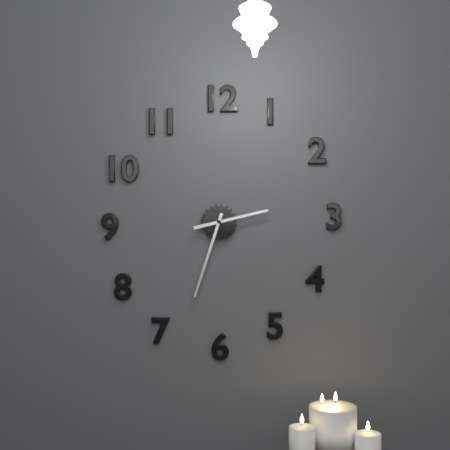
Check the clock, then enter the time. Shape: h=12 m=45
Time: h=2 m=33
